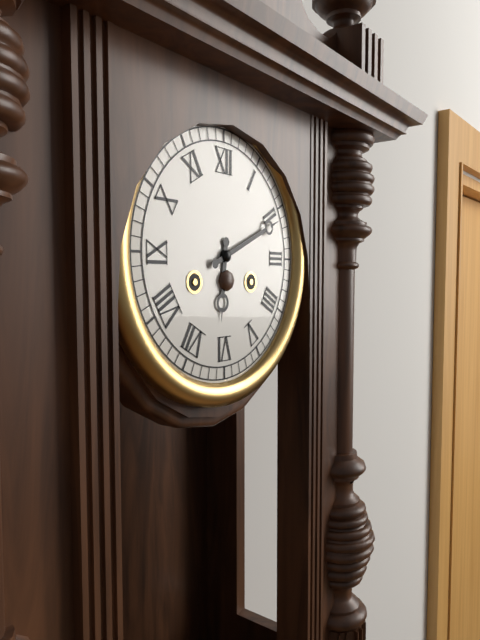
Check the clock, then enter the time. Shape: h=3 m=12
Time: h=6 m=11
